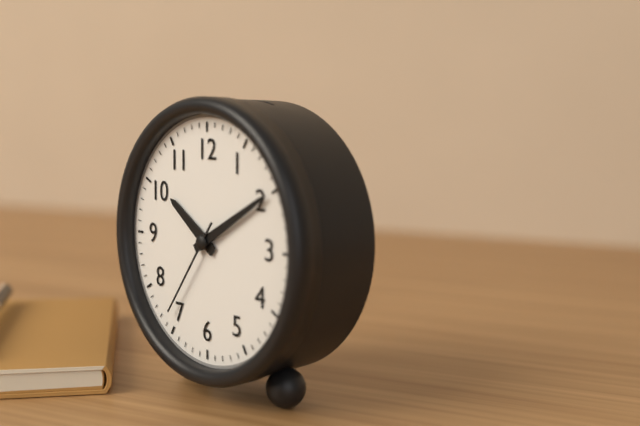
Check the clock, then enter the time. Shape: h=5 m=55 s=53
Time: h=10 m=10 s=36
